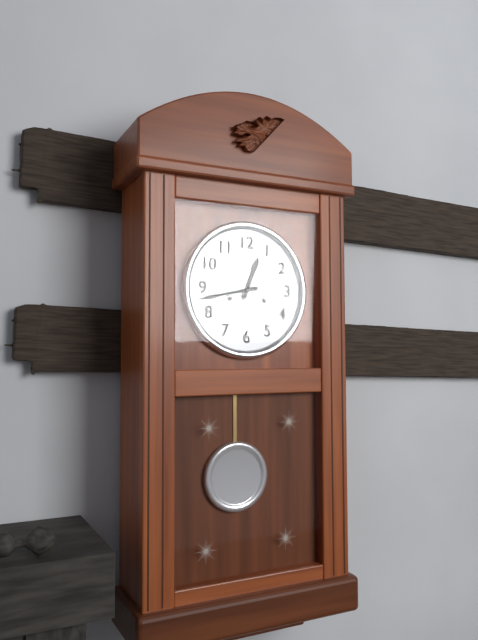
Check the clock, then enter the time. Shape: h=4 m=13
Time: h=12 m=43
